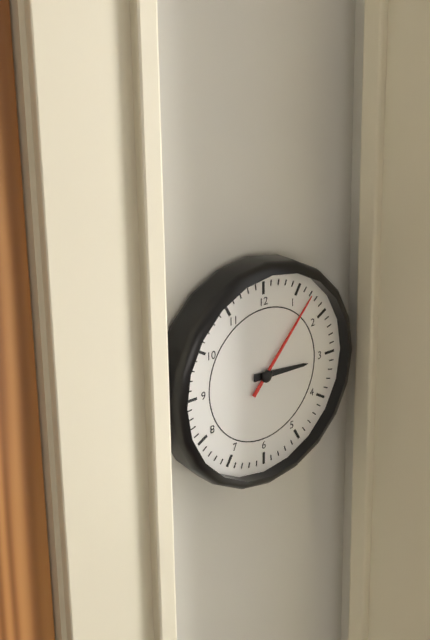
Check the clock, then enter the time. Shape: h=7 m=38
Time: h=3 m=7
